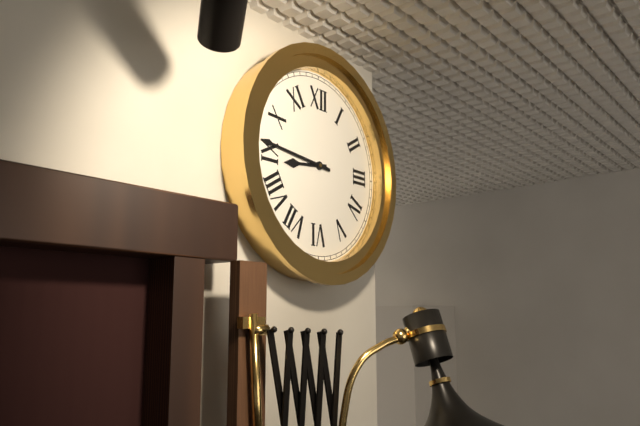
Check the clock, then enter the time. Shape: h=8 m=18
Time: h=8 m=46
